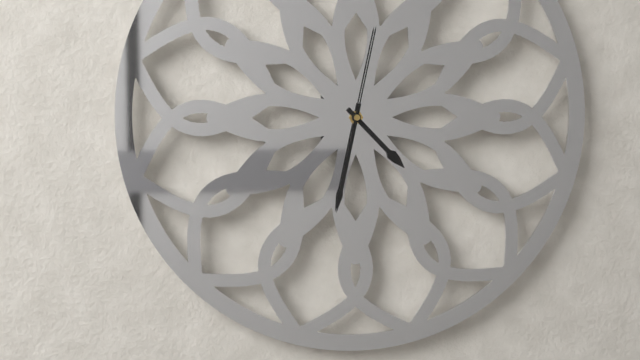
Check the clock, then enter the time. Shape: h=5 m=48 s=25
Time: h=4 m=32 s=2
